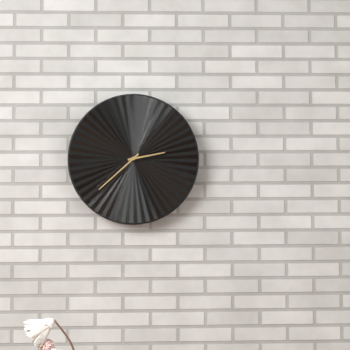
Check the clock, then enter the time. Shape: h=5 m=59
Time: h=2 m=38
